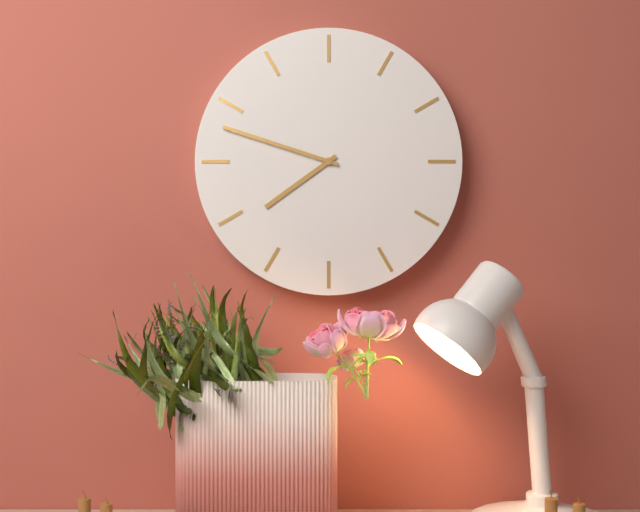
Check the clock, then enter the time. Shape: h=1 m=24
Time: h=7 m=48
